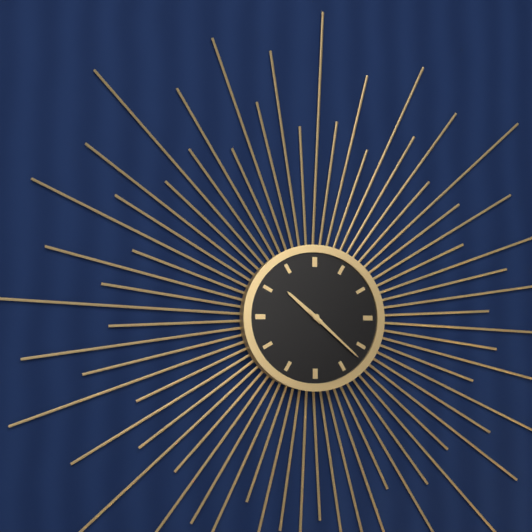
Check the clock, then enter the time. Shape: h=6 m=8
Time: h=10 m=22
